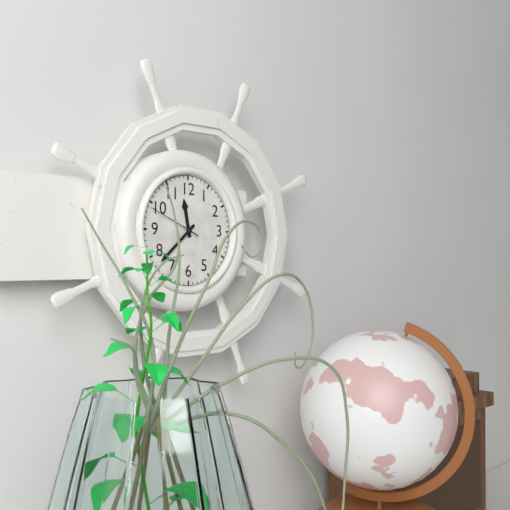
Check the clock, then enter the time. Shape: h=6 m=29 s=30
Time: h=11 m=38 s=49
